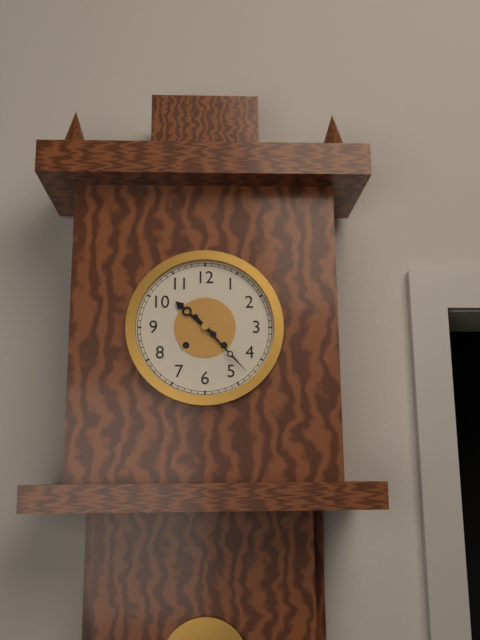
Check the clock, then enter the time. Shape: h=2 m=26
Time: h=10 m=23
